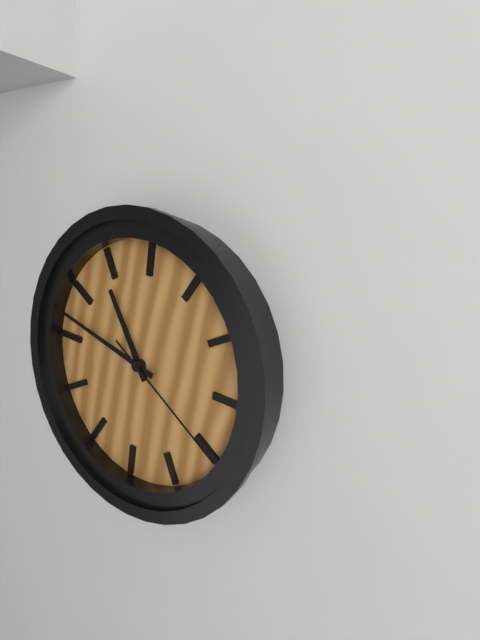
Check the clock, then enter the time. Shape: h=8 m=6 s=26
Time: h=10 m=47 s=20
